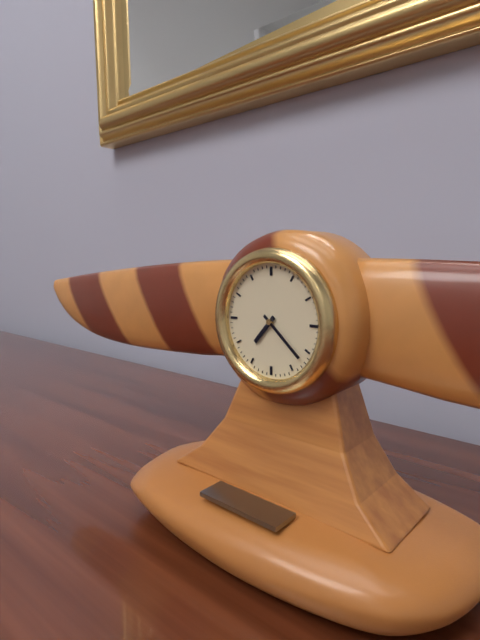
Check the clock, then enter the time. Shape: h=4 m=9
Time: h=7 m=22
